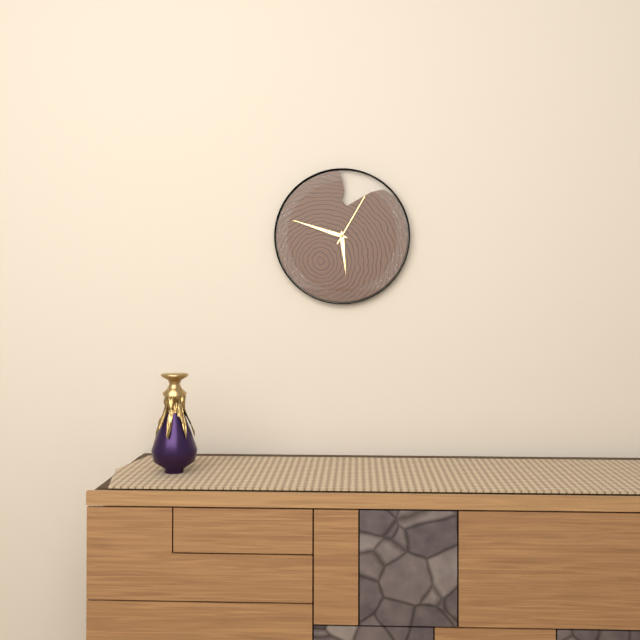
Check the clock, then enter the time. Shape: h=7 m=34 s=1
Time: h=5 m=48 s=5
